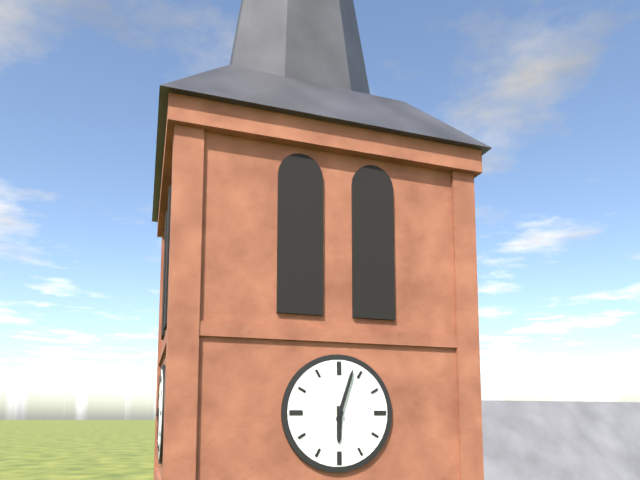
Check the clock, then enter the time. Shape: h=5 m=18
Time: h=6 m=3
